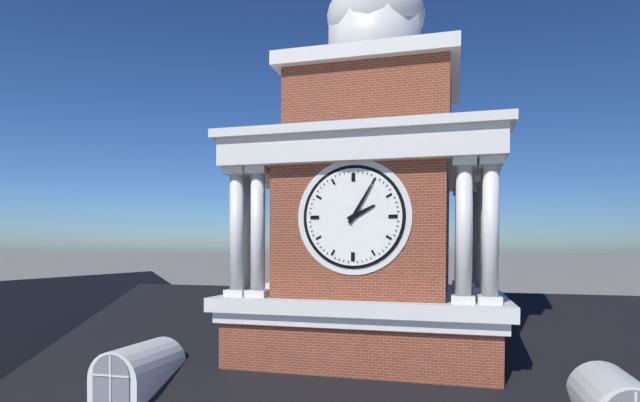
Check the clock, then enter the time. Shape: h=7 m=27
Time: h=2 m=5
